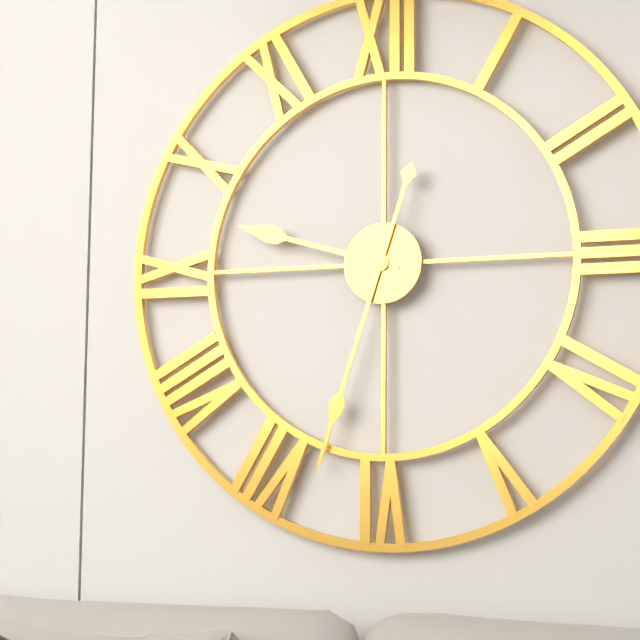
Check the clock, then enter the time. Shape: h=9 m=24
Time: h=9 m=33
